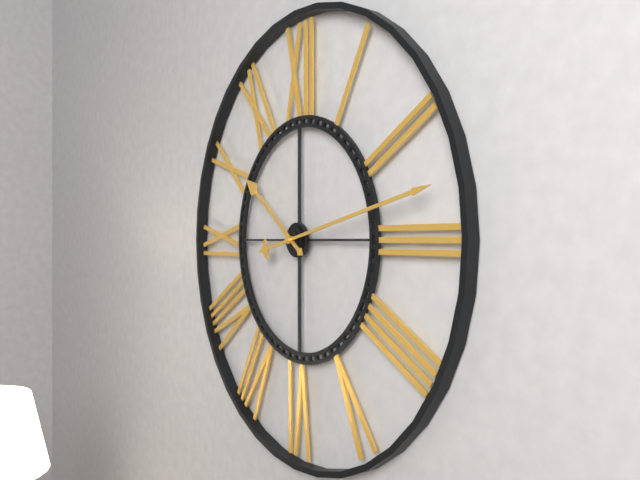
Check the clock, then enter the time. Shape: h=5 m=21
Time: h=10 m=13
